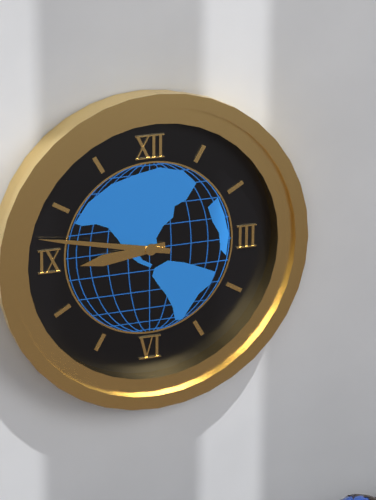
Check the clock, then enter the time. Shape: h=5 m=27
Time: h=8 m=47
